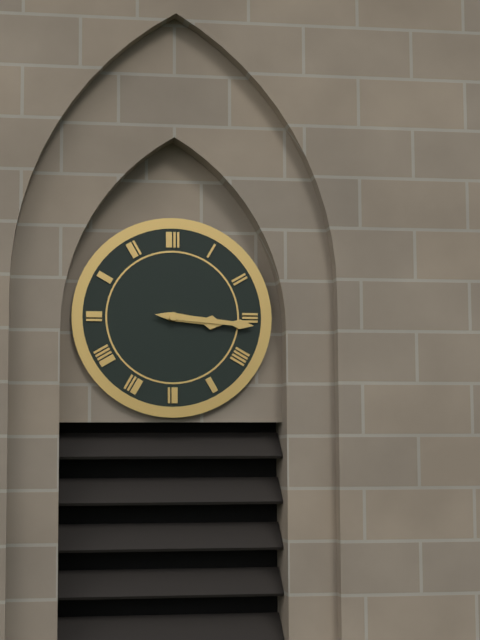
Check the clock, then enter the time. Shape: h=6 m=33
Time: h=3 m=16
